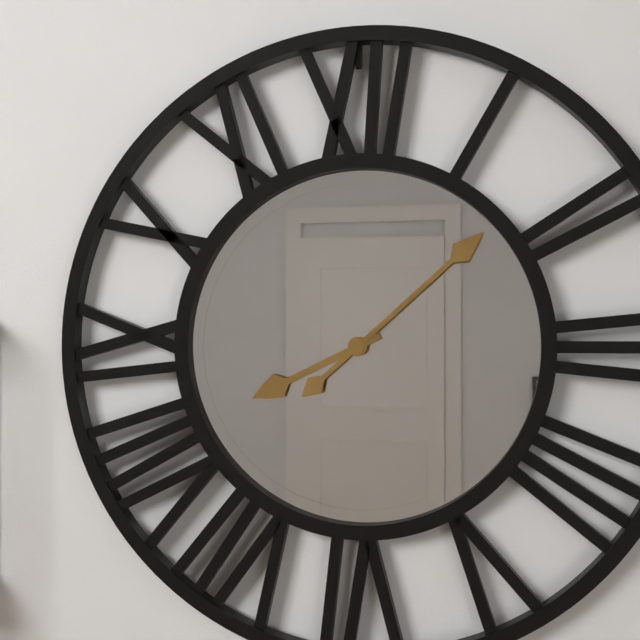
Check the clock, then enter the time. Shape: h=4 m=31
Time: h=8 m=8
